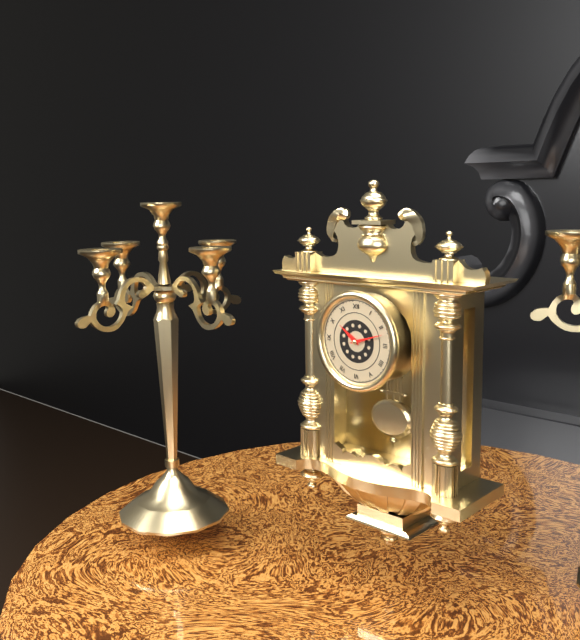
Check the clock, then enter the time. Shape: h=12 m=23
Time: h=10 m=12
